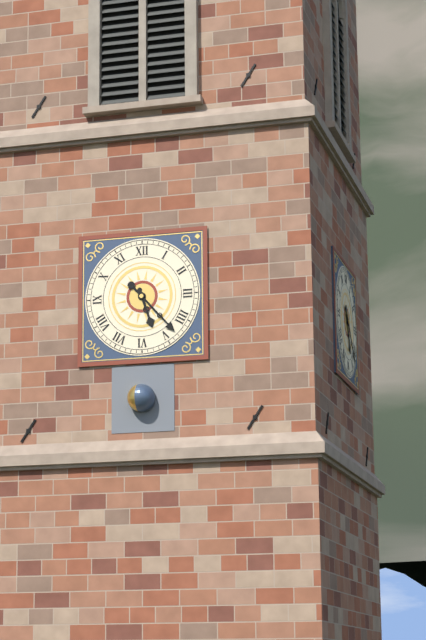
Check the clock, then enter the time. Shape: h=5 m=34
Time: h=5 m=23
